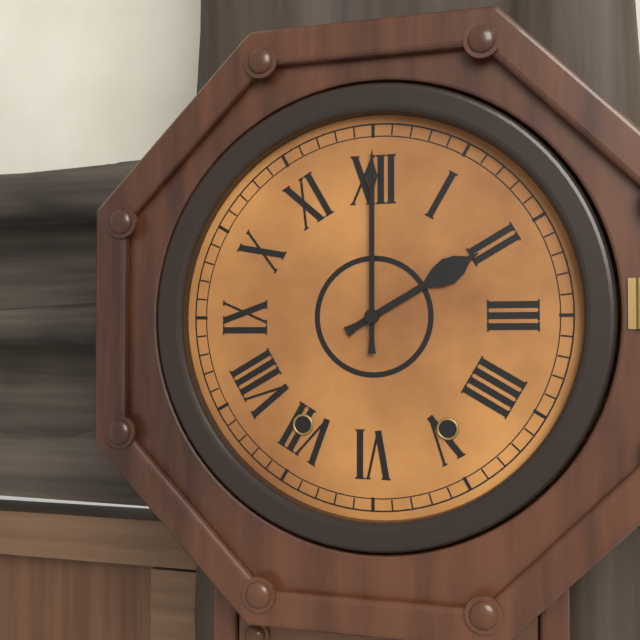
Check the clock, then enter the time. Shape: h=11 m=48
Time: h=2 m=0
